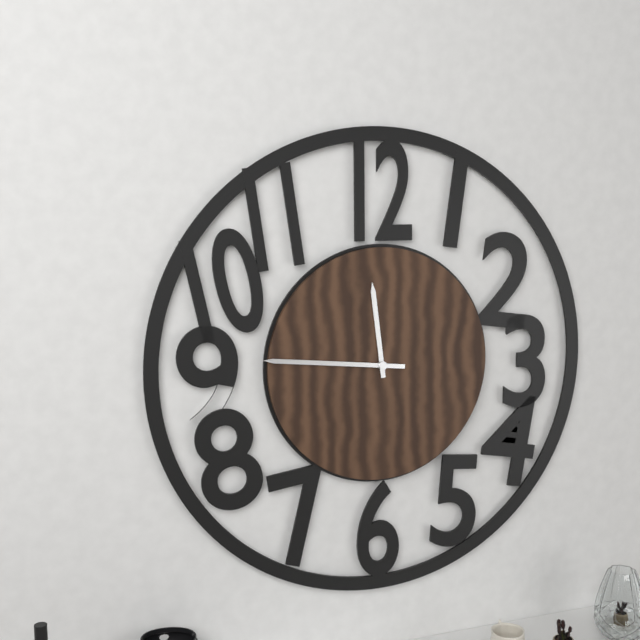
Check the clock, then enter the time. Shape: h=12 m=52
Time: h=11 m=46
